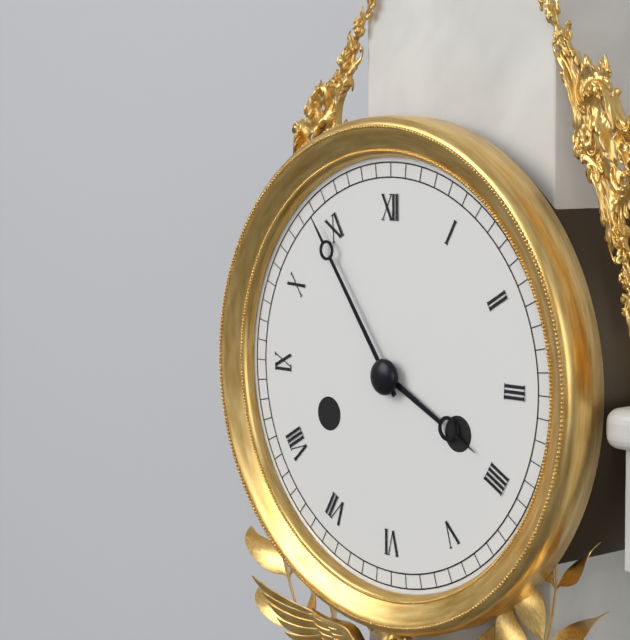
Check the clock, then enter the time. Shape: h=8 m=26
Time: h=3 m=54
